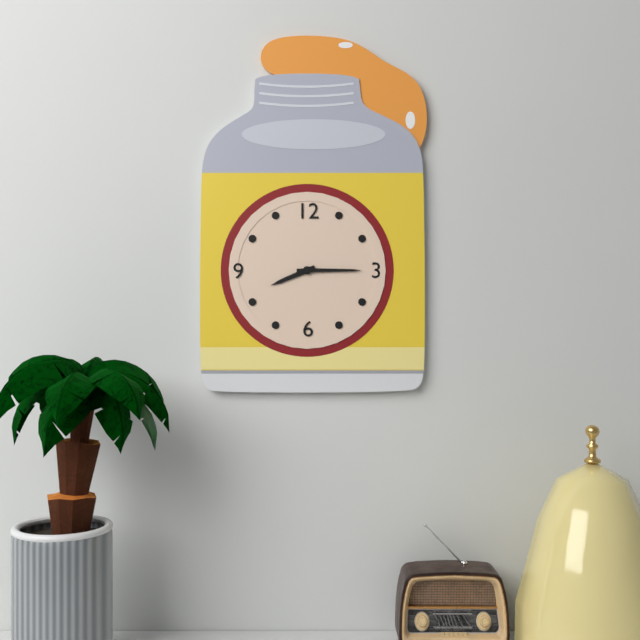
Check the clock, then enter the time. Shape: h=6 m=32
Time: h=8 m=15
